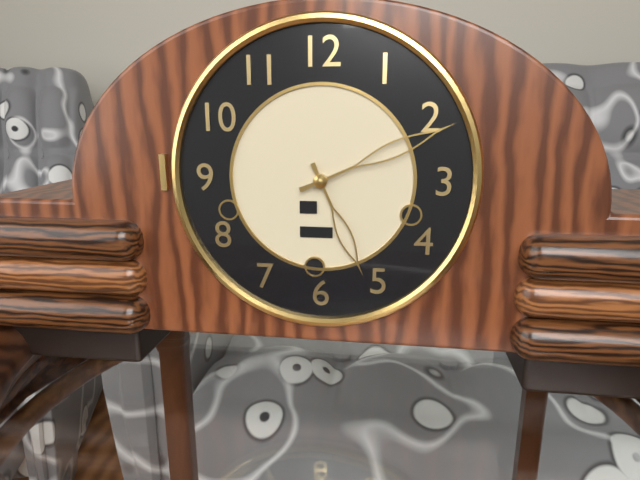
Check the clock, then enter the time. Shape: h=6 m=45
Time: h=5 m=11
